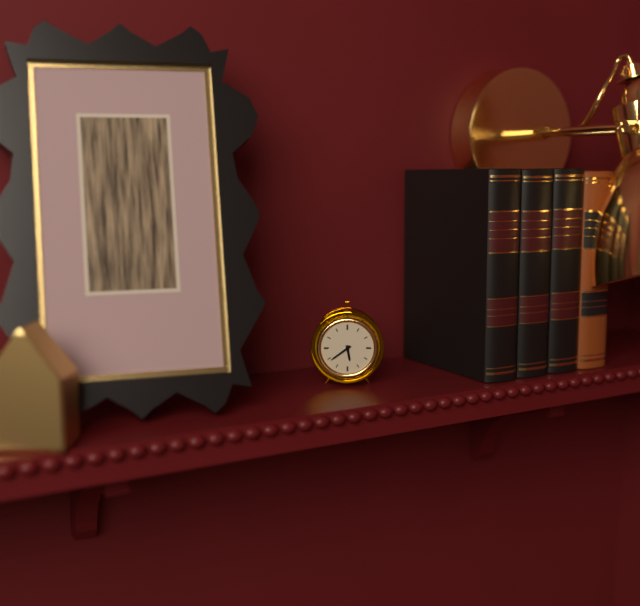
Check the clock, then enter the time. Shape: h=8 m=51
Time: h=5 m=39
